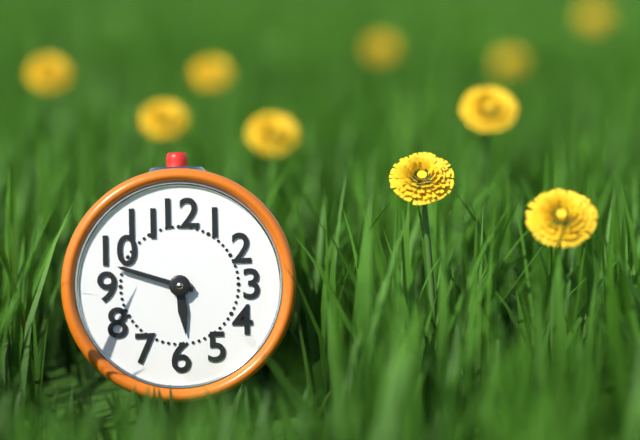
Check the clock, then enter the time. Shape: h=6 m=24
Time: h=5 m=48
